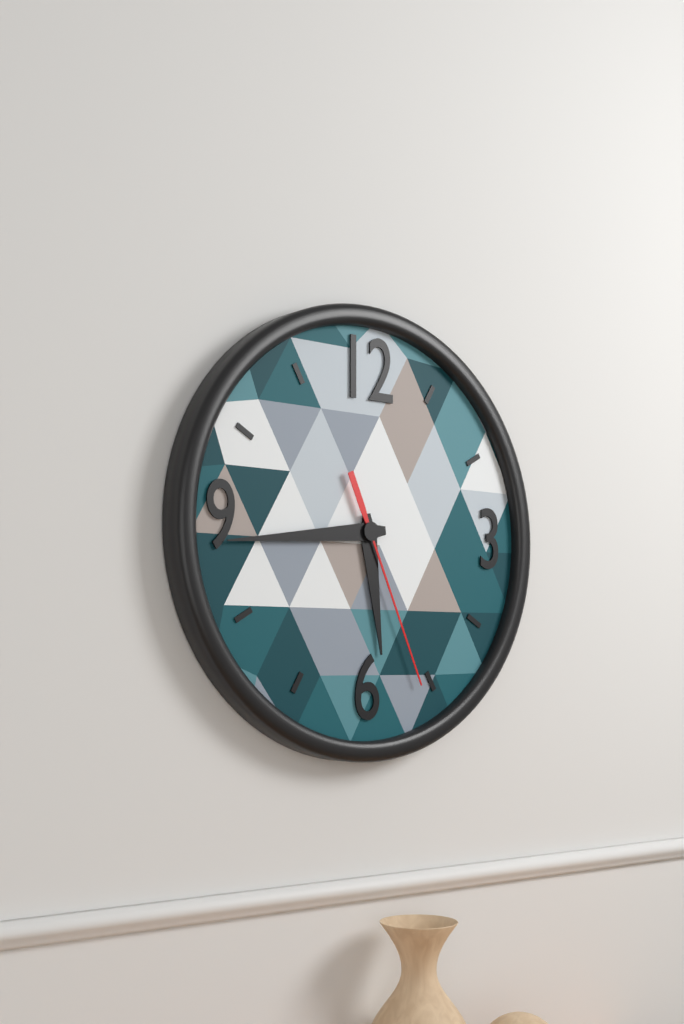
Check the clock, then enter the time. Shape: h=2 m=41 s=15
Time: h=5 m=44 s=26
